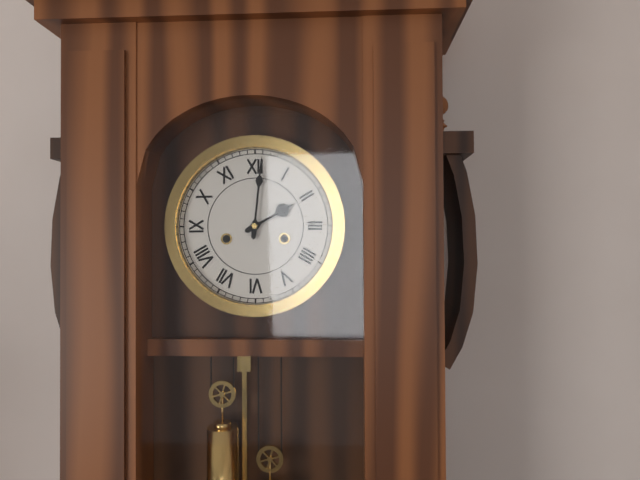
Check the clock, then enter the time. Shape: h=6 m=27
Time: h=2 m=1
